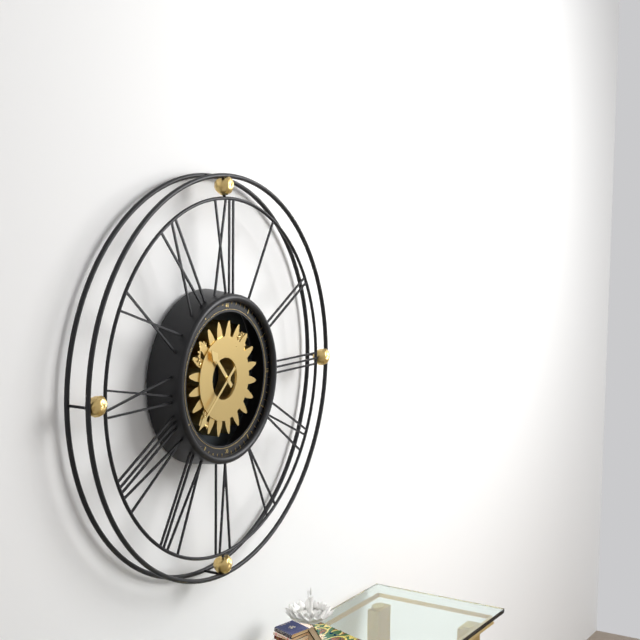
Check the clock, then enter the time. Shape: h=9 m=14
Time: h=10 m=38
